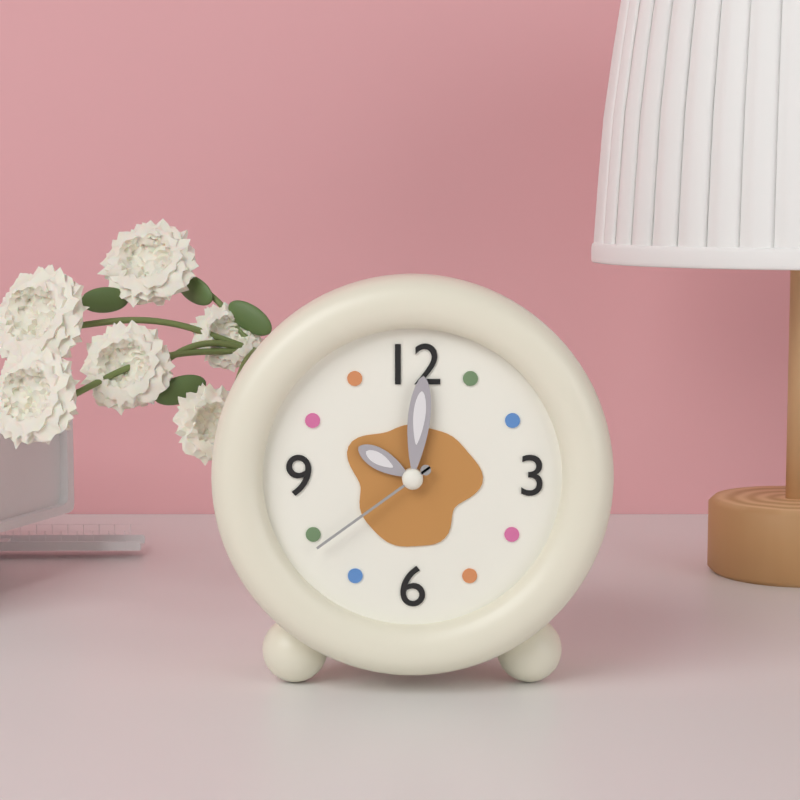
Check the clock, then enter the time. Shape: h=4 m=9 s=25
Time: h=10 m=1 s=39
